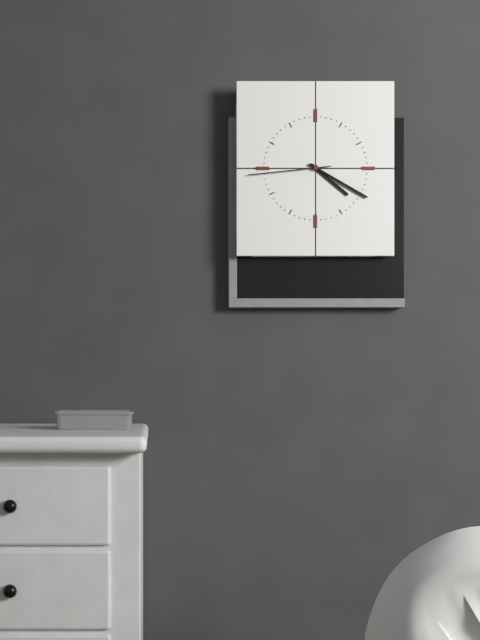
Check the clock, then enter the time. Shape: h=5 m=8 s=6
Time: h=4 m=20 s=44
